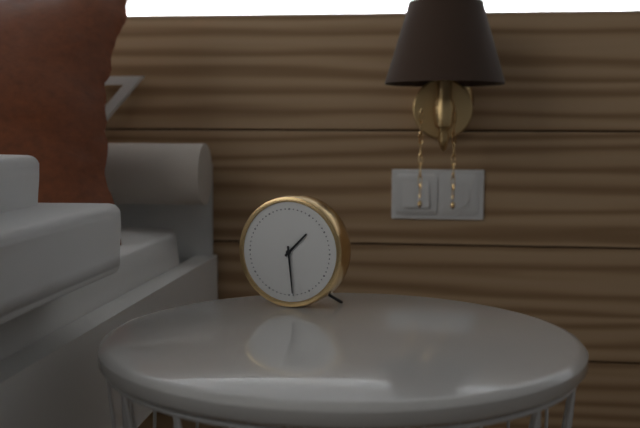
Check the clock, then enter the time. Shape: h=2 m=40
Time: h=1 m=29
